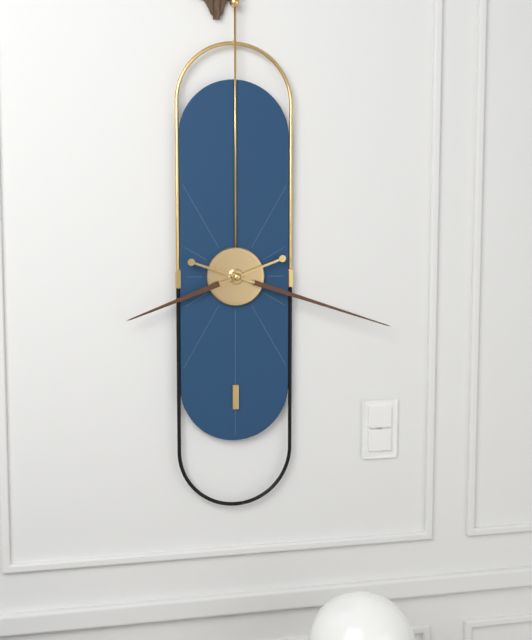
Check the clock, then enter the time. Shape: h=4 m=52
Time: h=8 m=18
